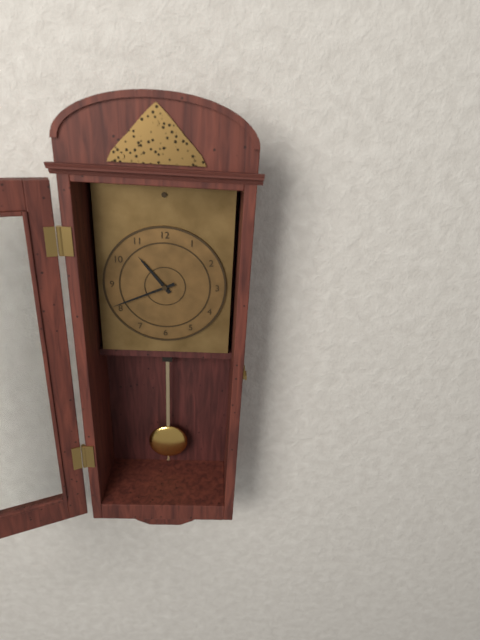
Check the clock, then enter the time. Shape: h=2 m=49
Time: h=10 m=41
